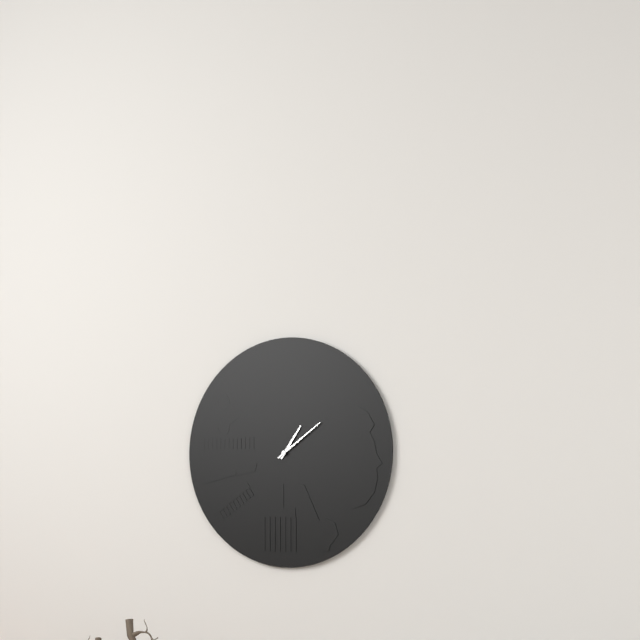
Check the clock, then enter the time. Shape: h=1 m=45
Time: h=1 m=9
